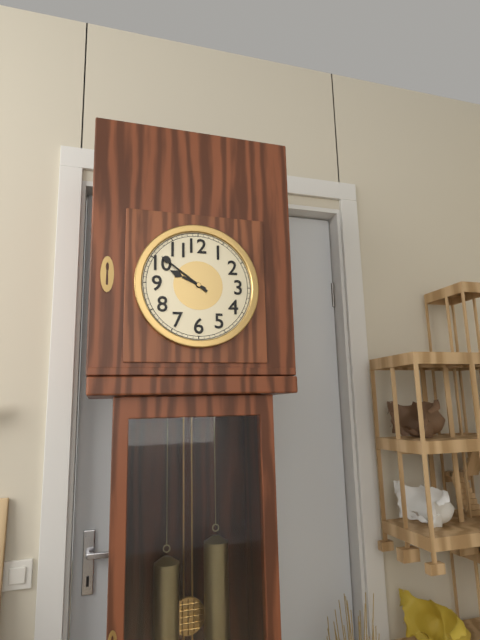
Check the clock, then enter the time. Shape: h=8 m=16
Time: h=9 m=51
